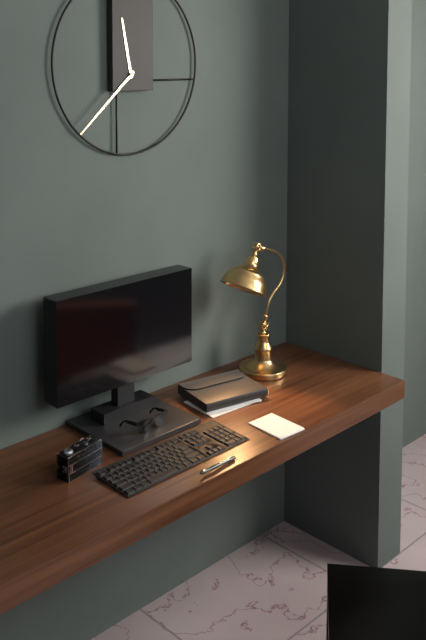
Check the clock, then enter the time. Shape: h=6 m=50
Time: h=11 m=38
